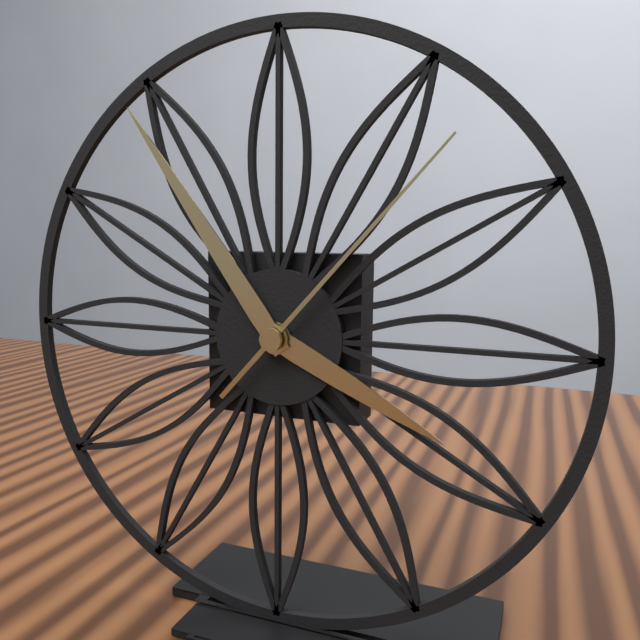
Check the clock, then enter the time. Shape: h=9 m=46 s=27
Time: h=3 m=54 s=7
